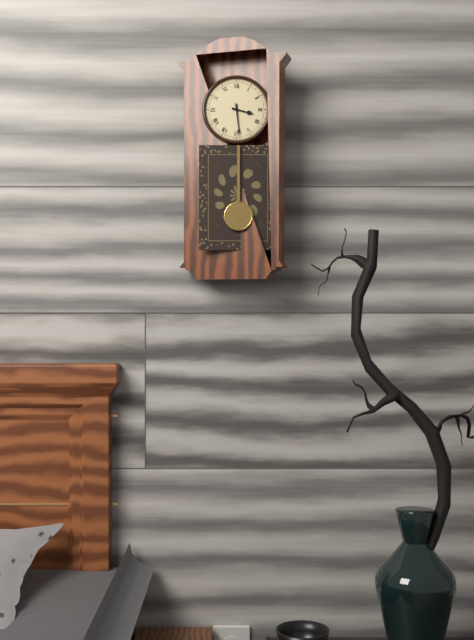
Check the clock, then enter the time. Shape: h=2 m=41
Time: h=3 m=29
